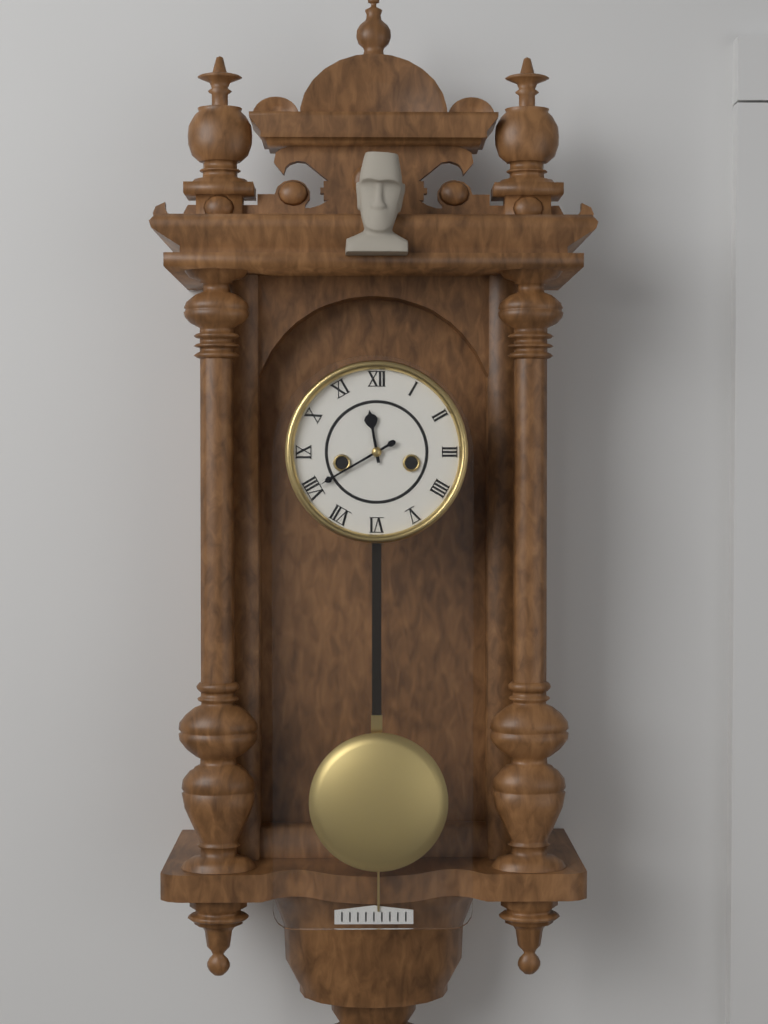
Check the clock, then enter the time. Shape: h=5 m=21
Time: h=11 m=40
